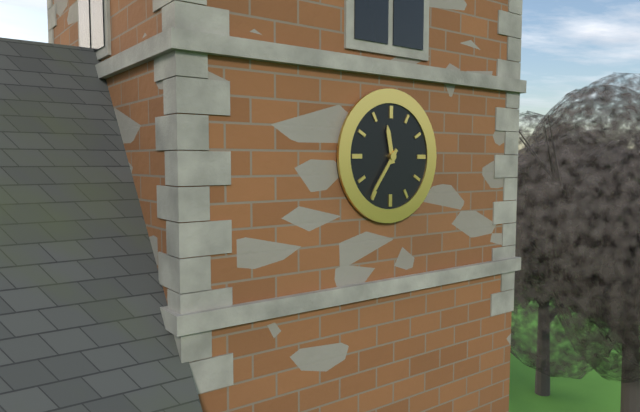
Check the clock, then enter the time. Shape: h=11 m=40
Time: h=11 m=36
